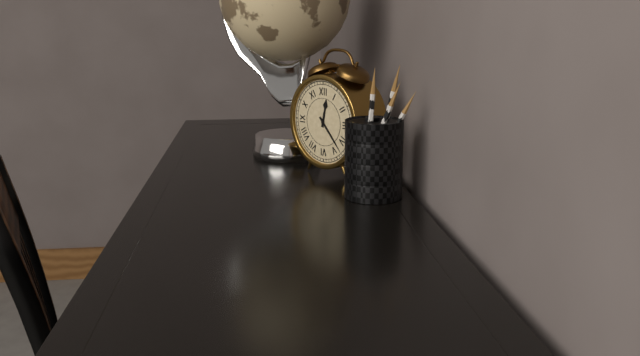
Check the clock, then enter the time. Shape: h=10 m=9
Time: h=12 m=23
